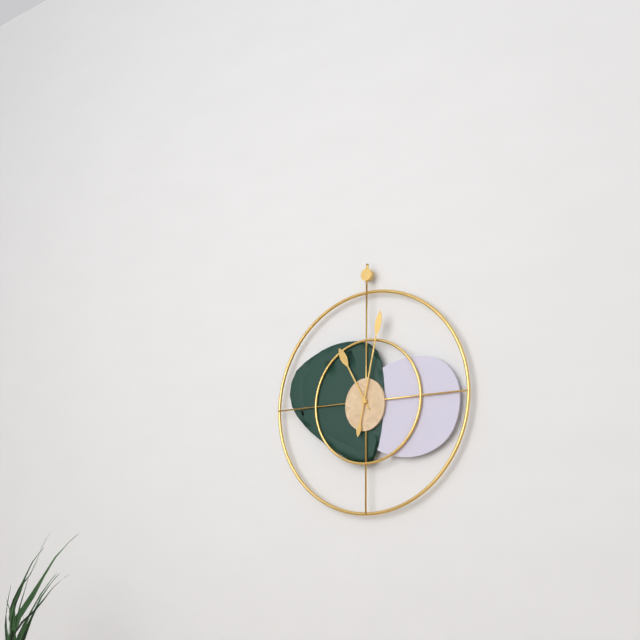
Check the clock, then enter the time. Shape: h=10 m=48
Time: h=11 m=2
